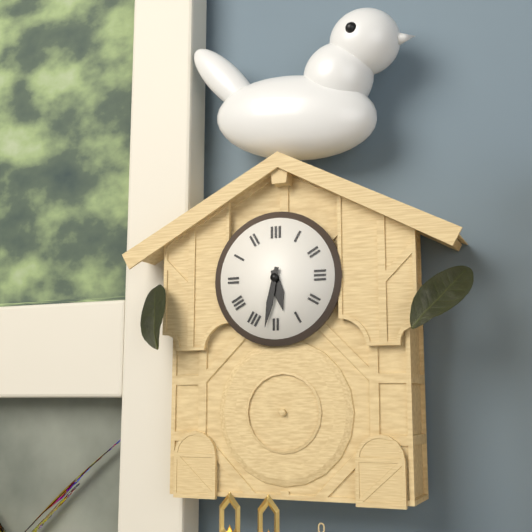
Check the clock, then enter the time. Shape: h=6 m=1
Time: h=5 m=32
